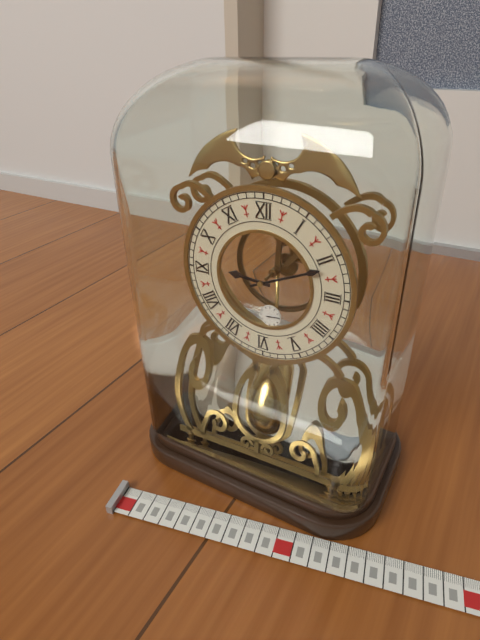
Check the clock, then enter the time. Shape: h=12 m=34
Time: h=9 m=11
